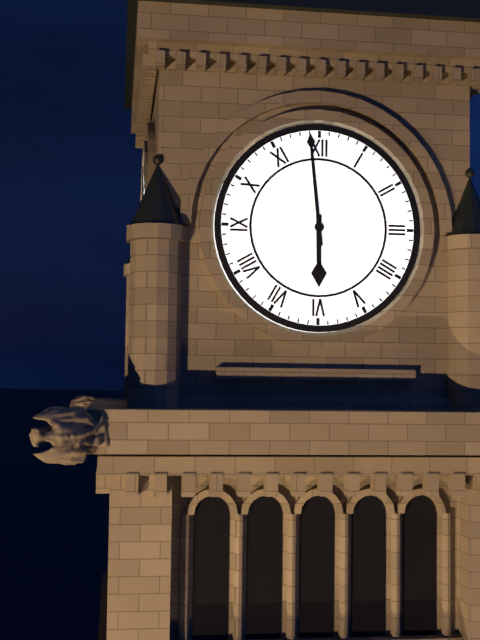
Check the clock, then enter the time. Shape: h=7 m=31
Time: h=5 m=59
